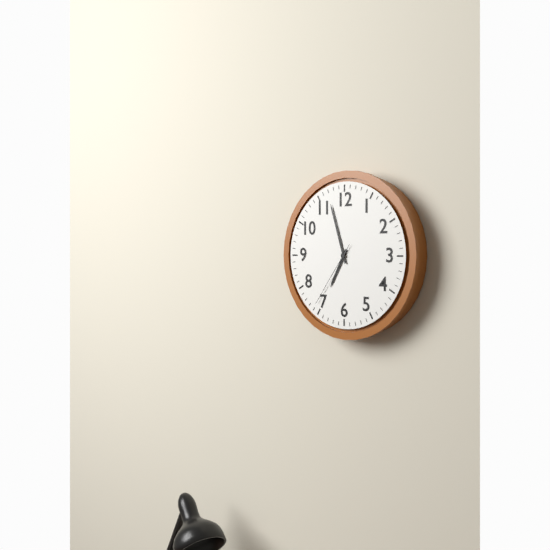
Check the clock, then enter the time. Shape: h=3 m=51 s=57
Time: h=6 m=57 s=36
